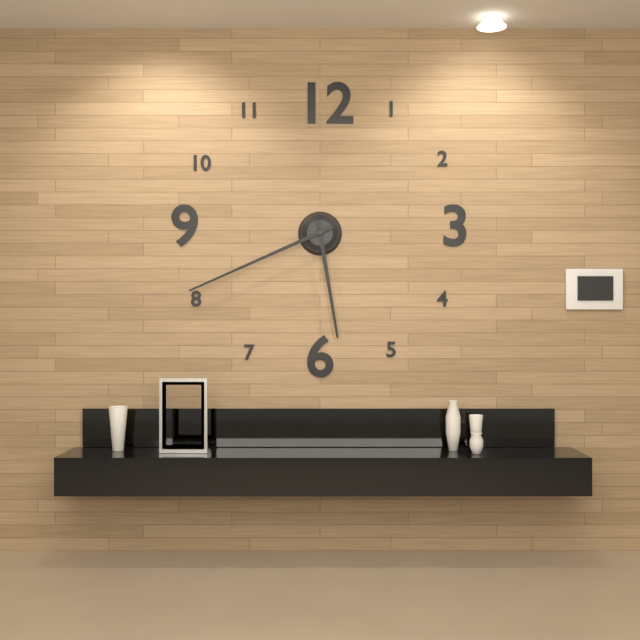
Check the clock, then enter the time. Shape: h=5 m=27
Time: h=5 m=41
